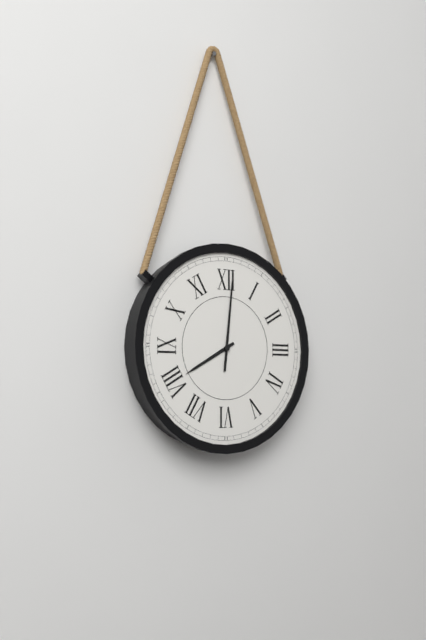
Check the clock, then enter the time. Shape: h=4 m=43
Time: h=8 m=1
